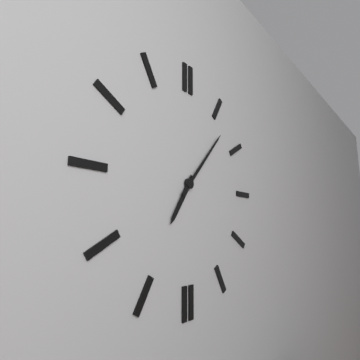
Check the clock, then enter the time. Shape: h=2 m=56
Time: h=7 m=7
